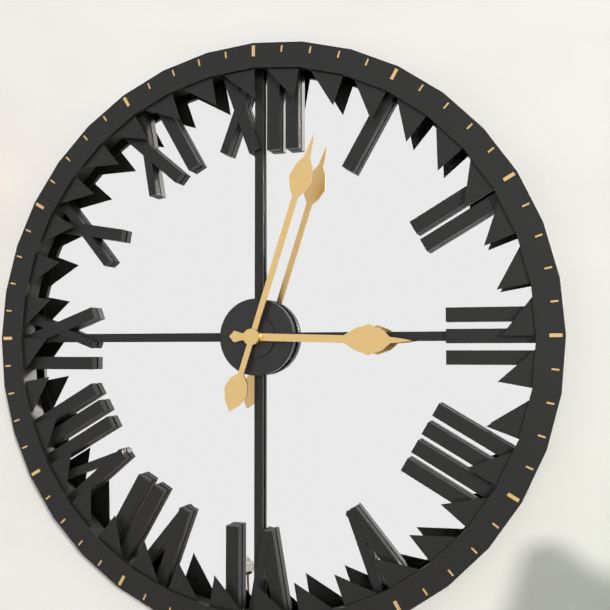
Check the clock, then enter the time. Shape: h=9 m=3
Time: h=3 m=3
